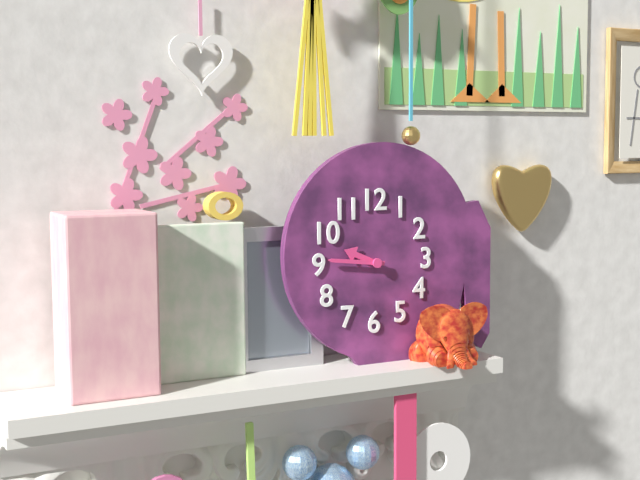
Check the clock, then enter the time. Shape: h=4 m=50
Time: h=9 m=46
